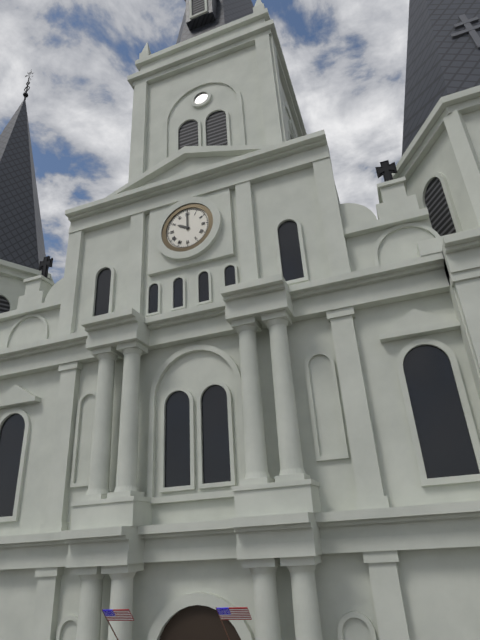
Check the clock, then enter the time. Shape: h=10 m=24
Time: h=10 m=0
